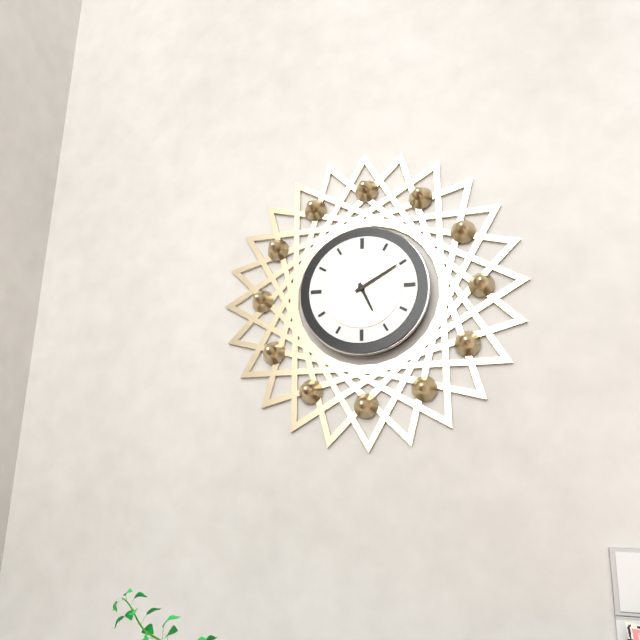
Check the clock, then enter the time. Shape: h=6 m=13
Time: h=5 m=10
